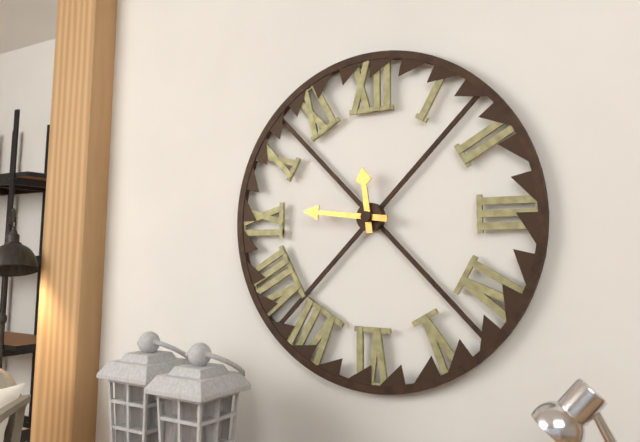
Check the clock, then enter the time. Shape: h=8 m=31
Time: h=11 m=46
